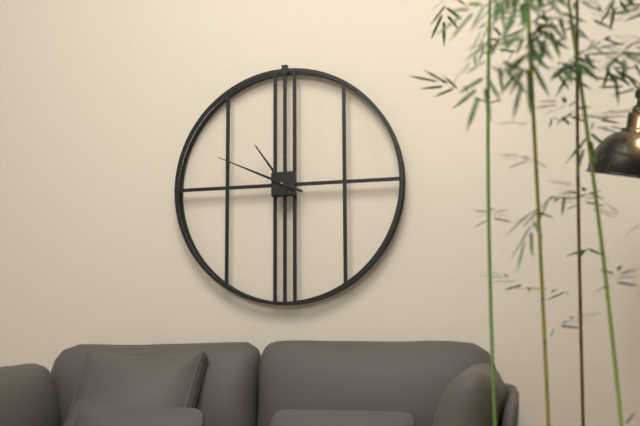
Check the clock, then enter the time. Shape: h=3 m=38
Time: h=10 m=49
